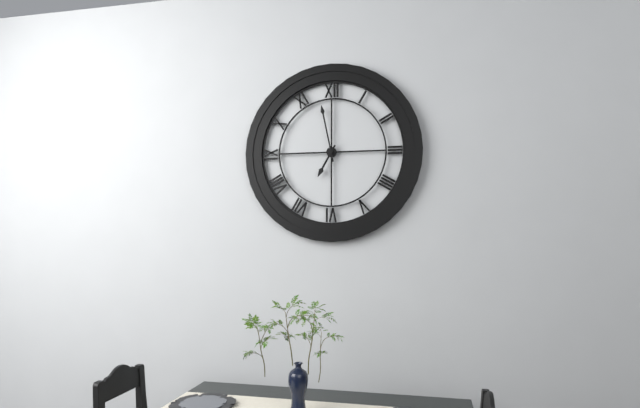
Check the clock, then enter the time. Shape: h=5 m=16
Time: h=6 m=58
